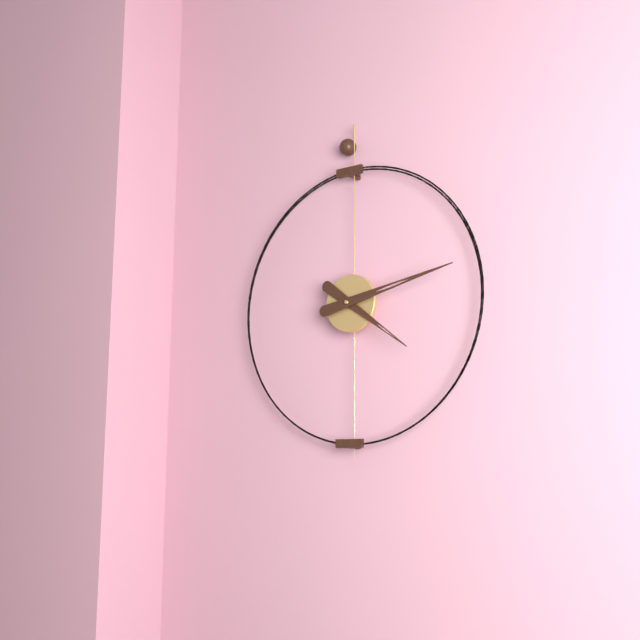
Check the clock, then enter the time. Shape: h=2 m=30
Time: h=4 m=13
